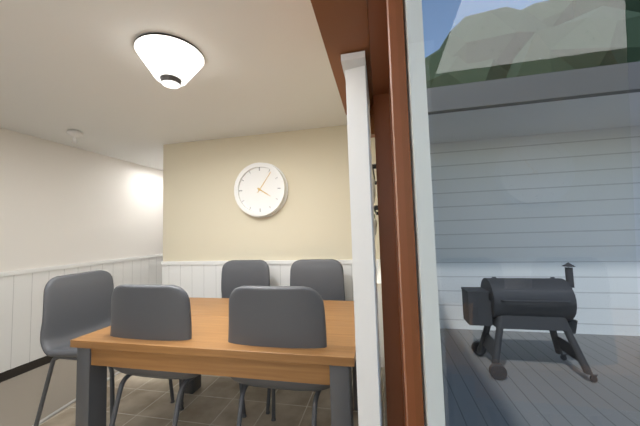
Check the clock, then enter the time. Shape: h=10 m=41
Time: h=4 m=6
